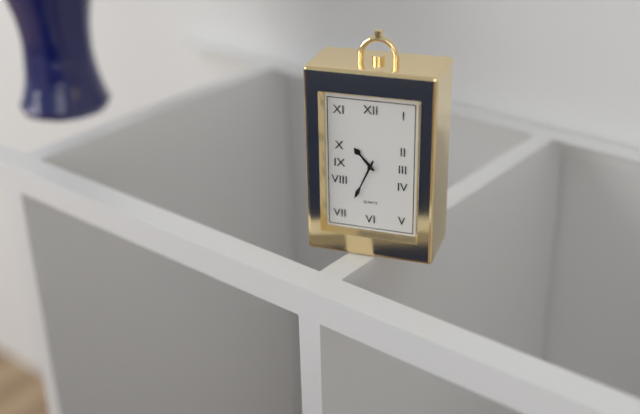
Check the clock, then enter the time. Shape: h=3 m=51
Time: h=10 m=34
